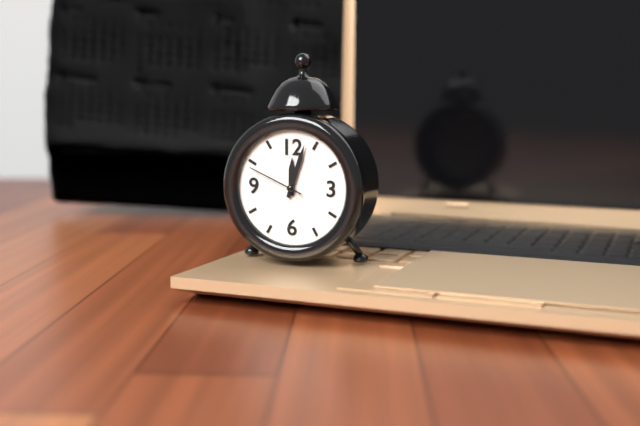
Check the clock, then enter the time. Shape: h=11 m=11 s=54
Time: h=12 m=3 s=49
